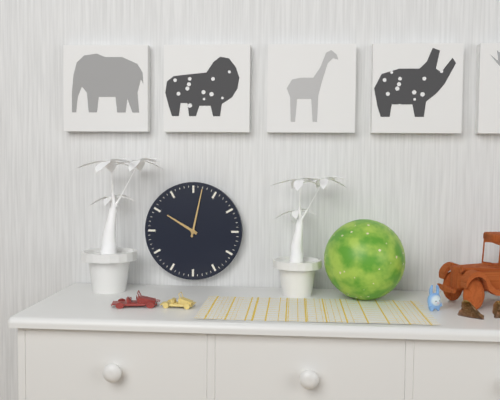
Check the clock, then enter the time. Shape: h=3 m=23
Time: h=10 m=2
